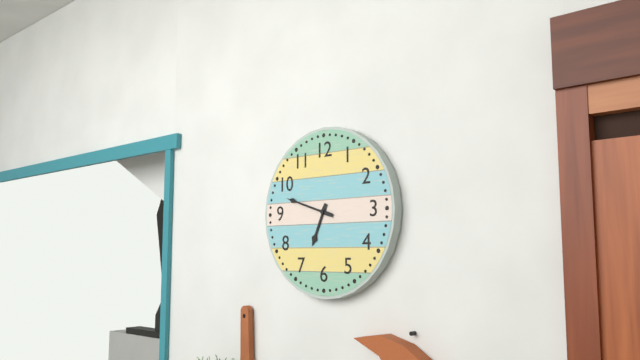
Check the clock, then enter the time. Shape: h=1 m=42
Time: h=6 m=48
